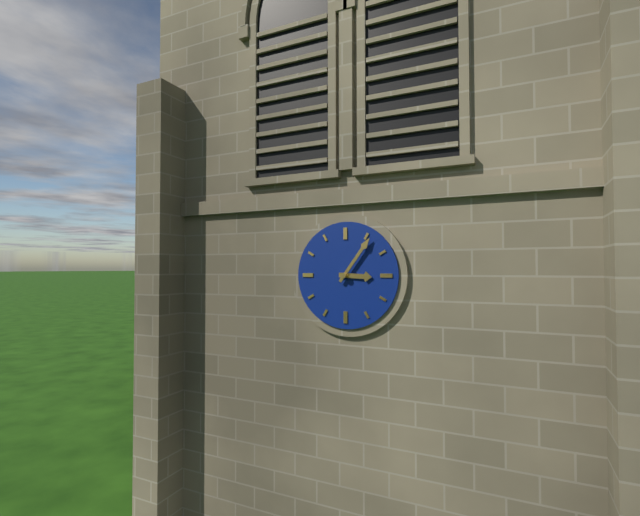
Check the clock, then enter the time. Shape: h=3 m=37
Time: h=3 m=6
